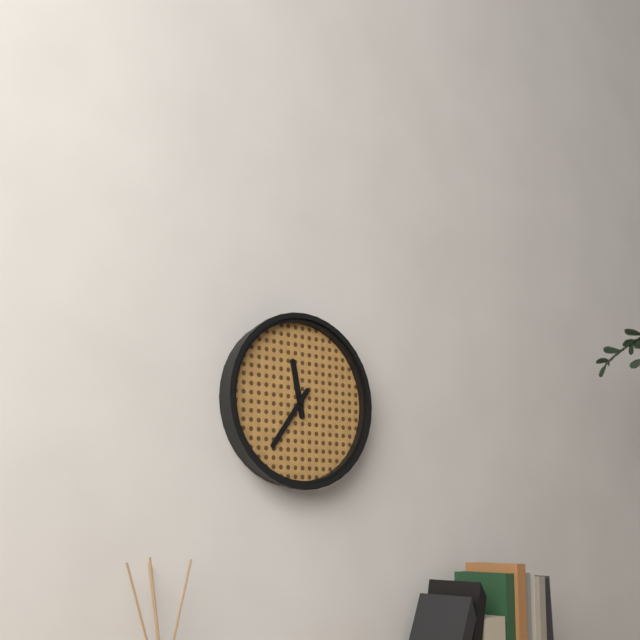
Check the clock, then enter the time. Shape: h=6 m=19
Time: h=11 m=36
